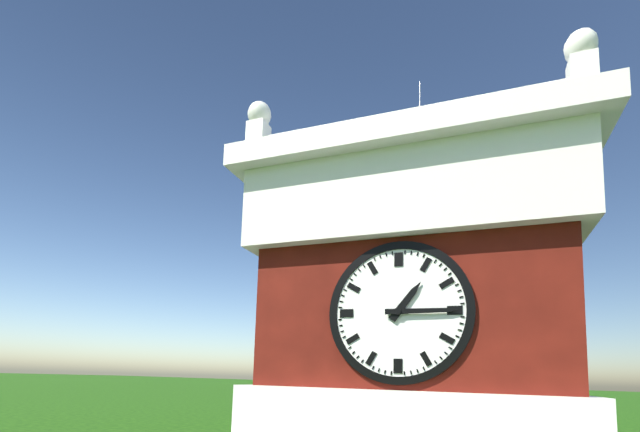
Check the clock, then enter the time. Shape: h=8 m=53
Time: h=1 m=15
